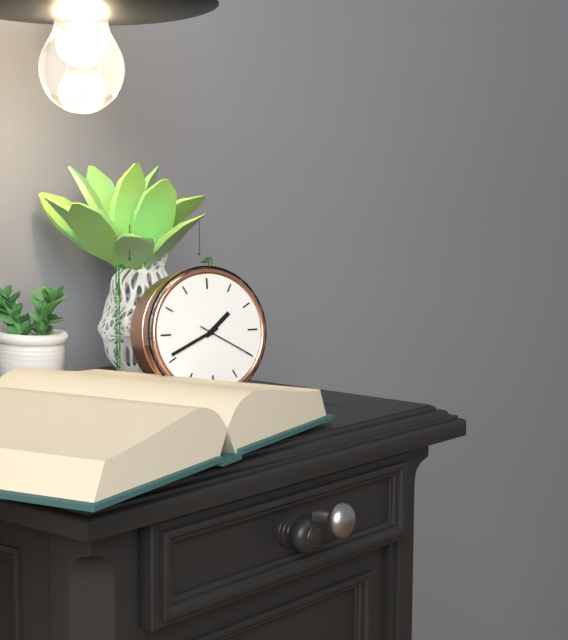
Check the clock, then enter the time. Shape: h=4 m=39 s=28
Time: h=1 m=41 s=20
